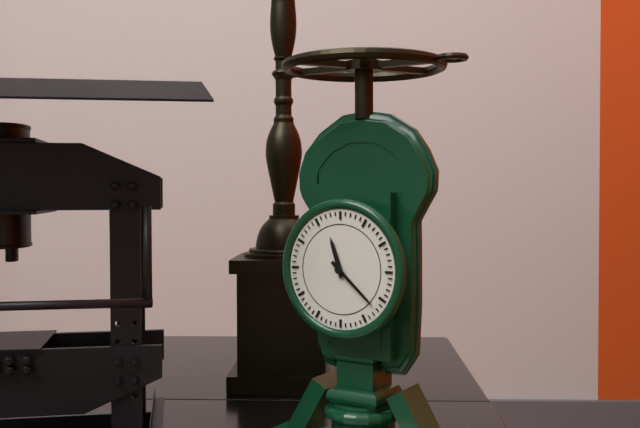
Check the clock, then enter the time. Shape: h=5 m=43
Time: h=11 m=22
